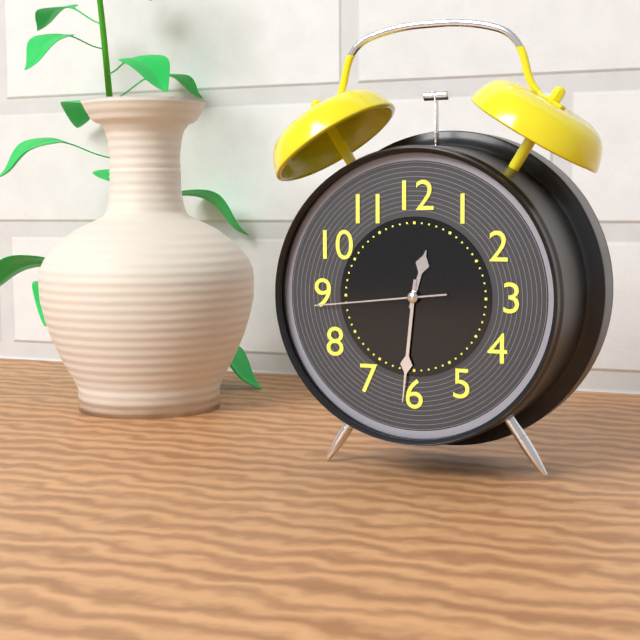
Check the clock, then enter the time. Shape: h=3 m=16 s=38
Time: h=12 m=31 s=44
